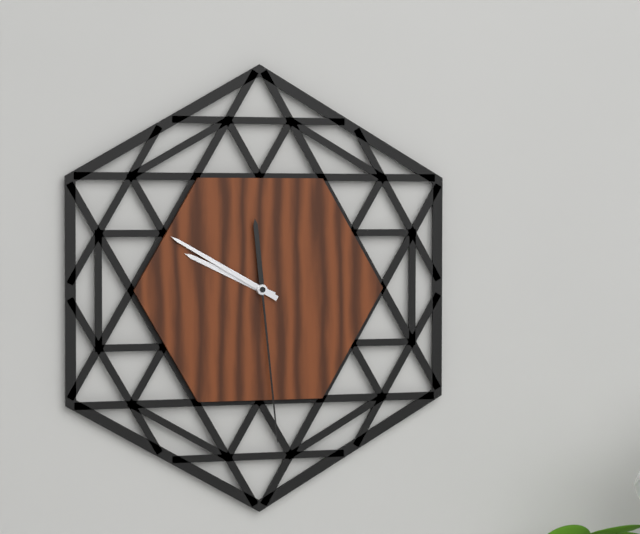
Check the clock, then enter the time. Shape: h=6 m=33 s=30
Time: h=9 m=50 s=29
